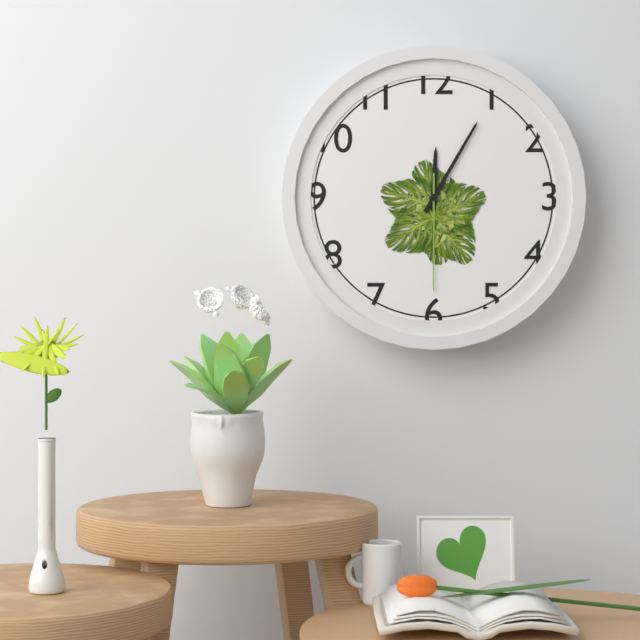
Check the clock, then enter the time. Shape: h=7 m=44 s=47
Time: h=12 m=5 s=30
